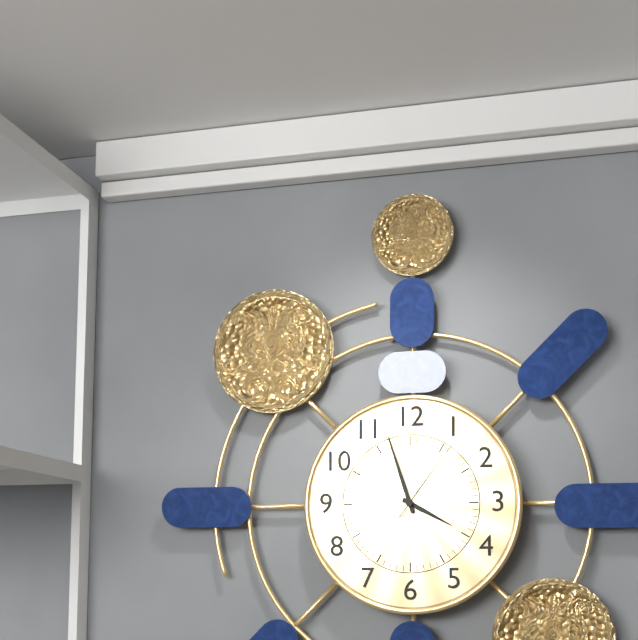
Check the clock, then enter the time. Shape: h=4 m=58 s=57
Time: h=3 m=57 s=6
